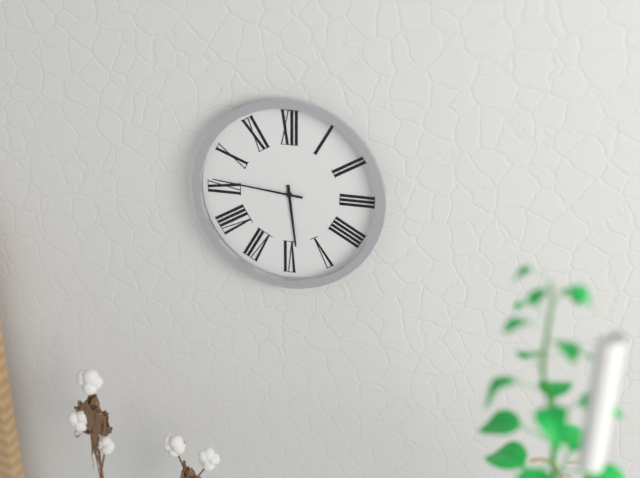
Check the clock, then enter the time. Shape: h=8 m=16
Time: h=5 m=46
